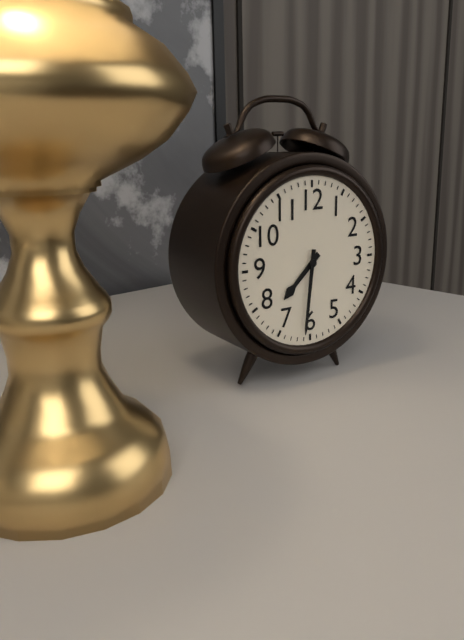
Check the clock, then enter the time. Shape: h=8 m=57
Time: h=7 m=31
